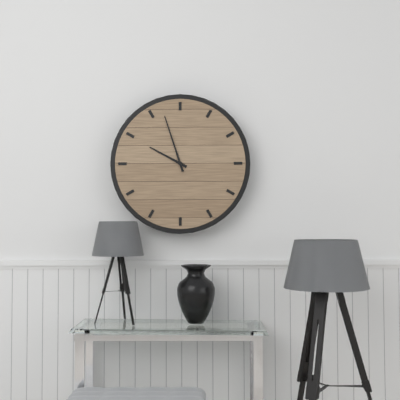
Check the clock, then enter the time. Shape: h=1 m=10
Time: h=9 m=57
